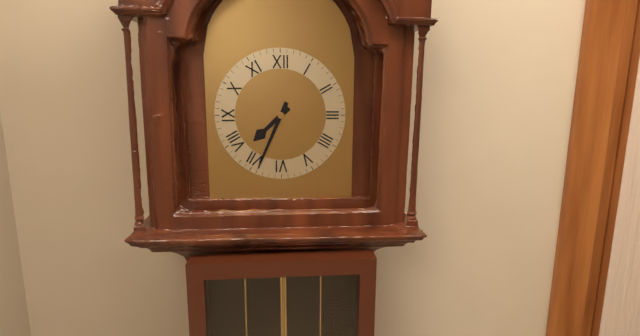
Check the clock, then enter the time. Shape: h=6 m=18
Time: h=7 m=34
